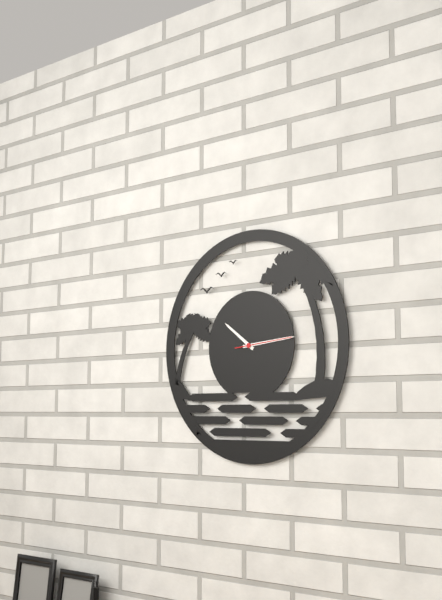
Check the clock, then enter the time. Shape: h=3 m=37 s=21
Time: h=10 m=14 s=14
